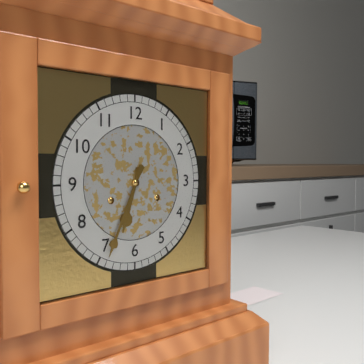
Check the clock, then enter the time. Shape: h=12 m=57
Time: h=6 m=34
